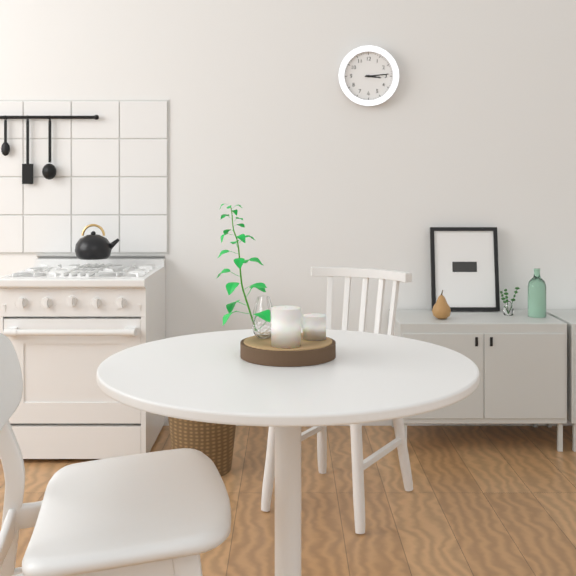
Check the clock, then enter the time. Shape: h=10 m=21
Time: h=3 m=14
